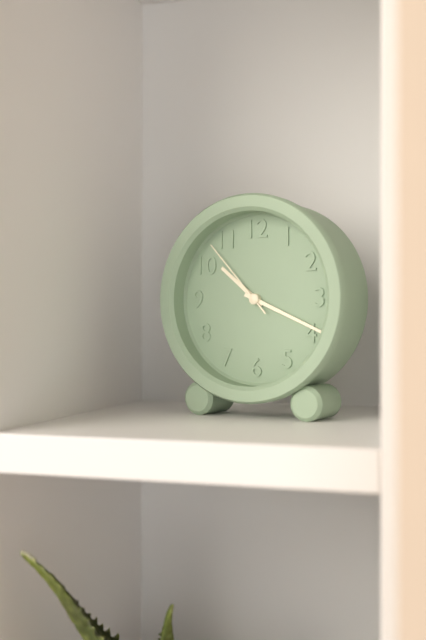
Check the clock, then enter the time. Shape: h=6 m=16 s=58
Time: h=10 m=19 s=53
